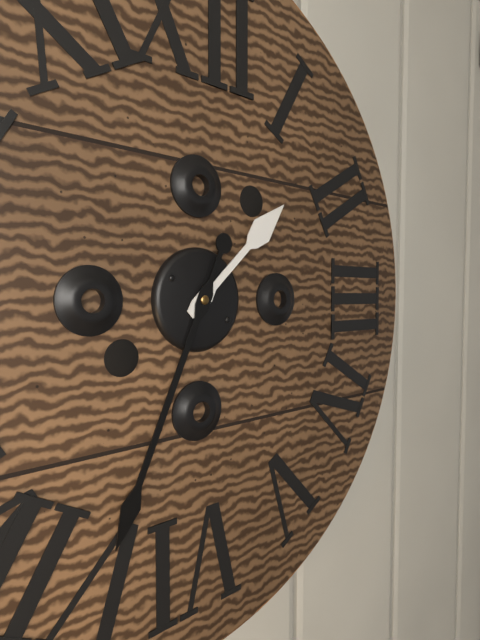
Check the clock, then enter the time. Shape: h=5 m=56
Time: h=1 m=34
